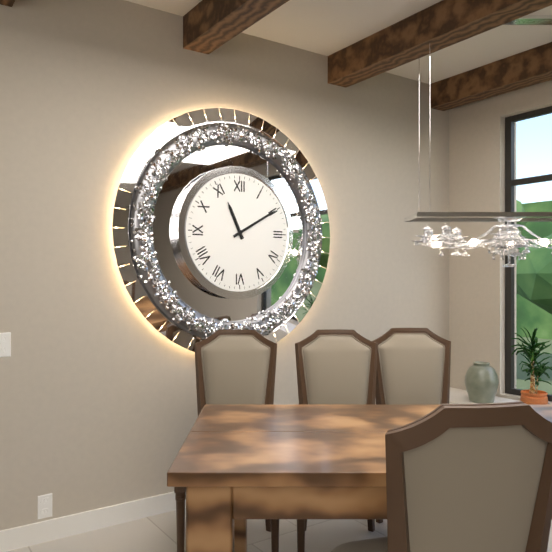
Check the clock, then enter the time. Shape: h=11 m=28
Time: h=11 m=10
